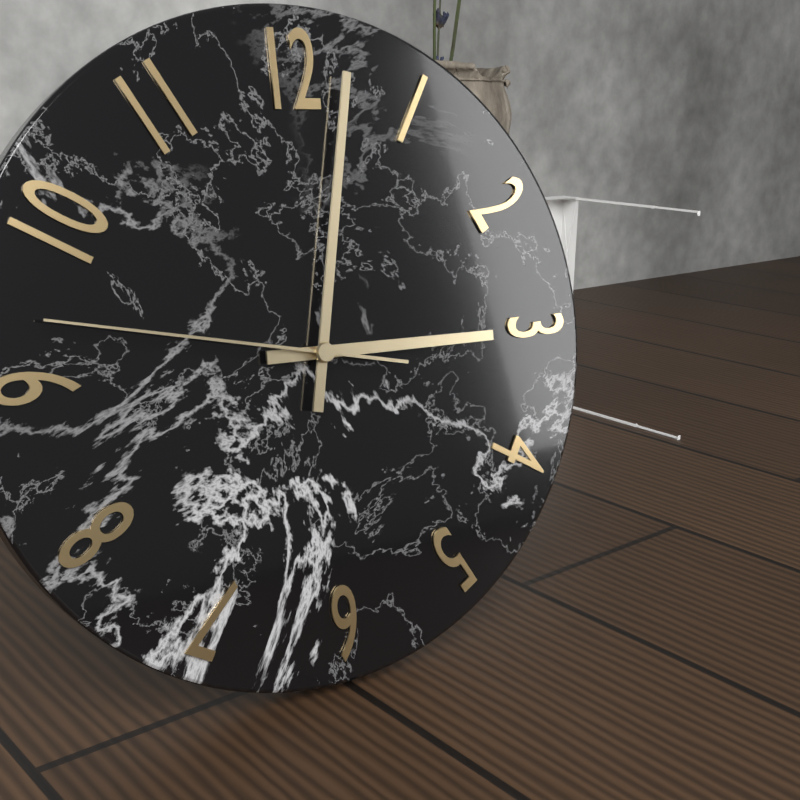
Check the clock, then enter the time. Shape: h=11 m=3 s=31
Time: h=3 m=2 s=47
